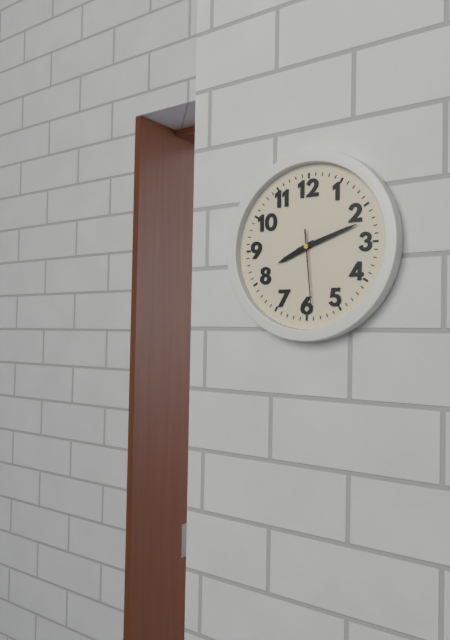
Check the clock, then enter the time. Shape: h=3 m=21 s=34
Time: h=8 m=12 s=29
